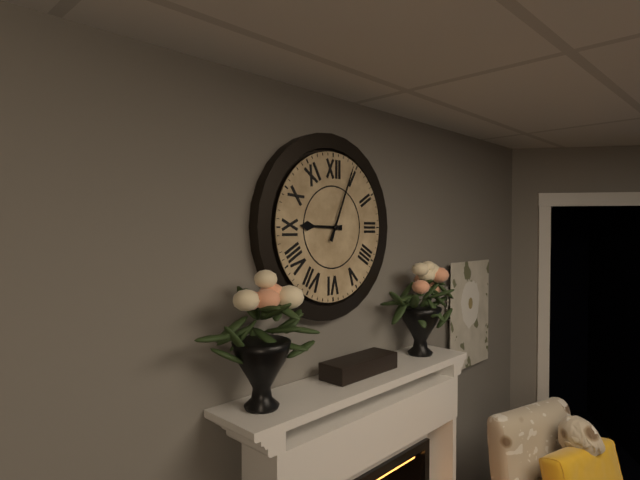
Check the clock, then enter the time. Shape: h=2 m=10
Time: h=9 m=4
